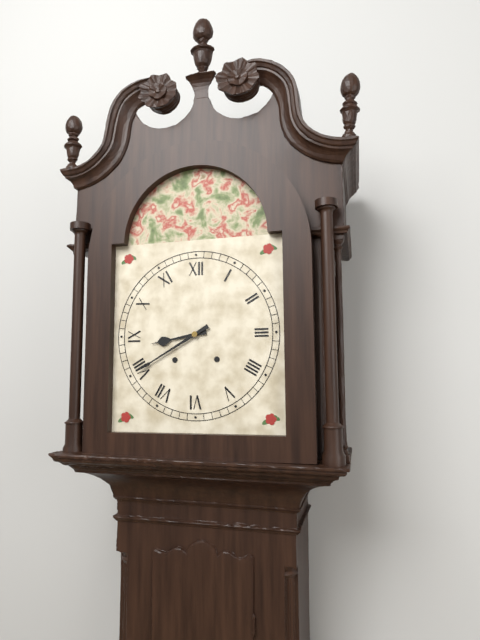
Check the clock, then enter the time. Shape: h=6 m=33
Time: h=8 m=40
